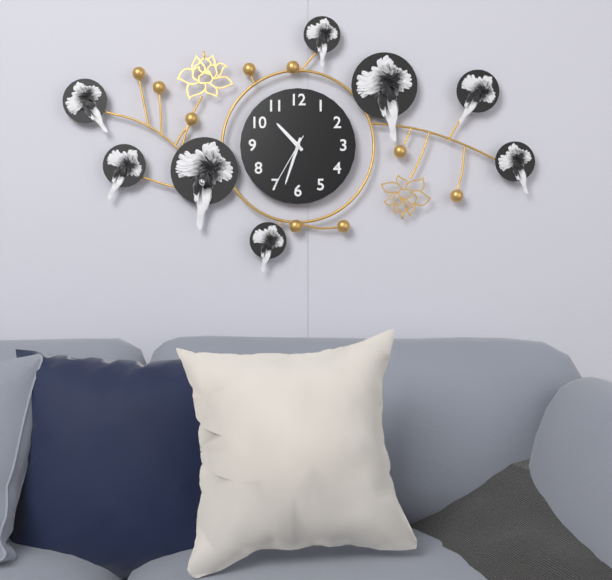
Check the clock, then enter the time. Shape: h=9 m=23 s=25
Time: h=10 m=33 s=35
